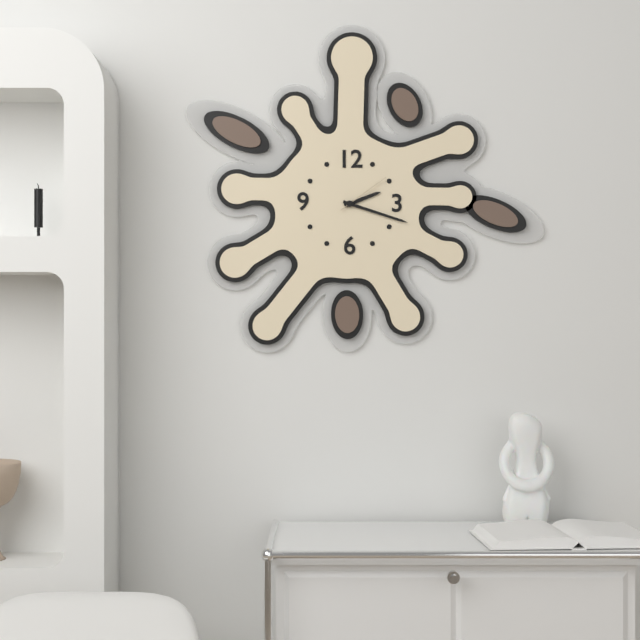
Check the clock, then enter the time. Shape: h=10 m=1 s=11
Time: h=2 m=18 s=9
